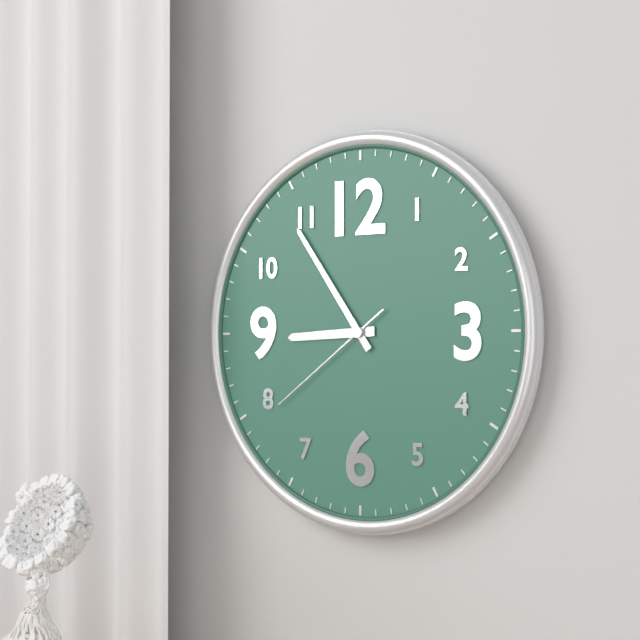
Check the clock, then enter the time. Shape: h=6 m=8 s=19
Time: h=8 m=54 s=39
